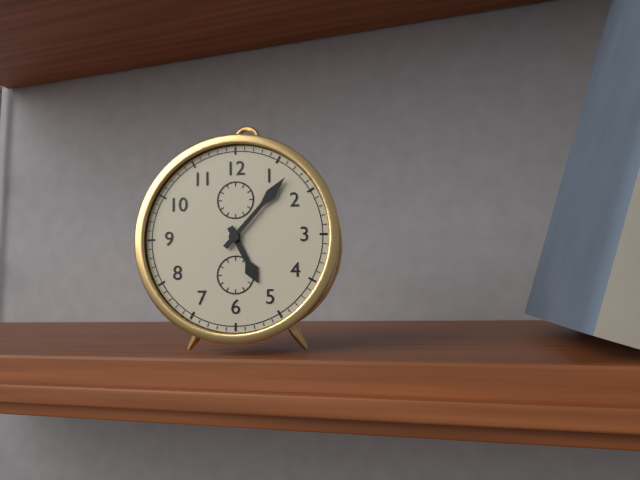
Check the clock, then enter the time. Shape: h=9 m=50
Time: h=5 m=7
